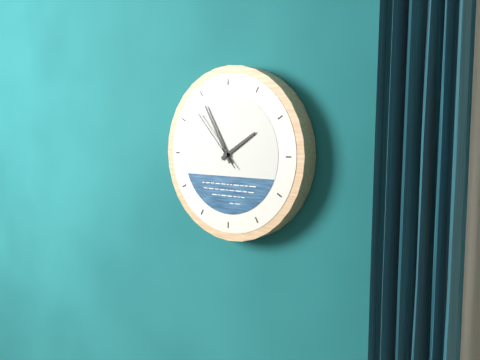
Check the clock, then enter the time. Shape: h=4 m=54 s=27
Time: h=1 m=55 s=53
